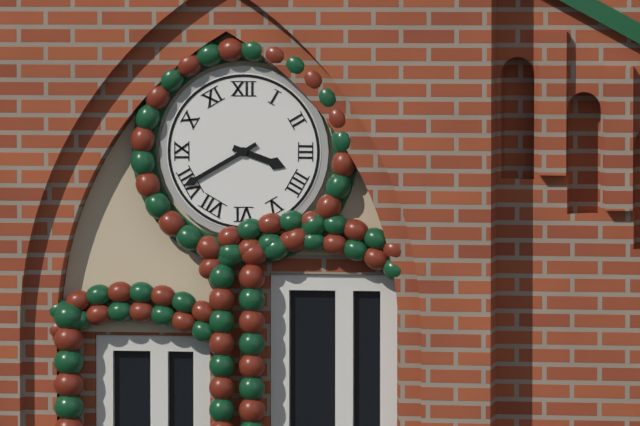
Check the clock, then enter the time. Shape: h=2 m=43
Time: h=3 m=40
